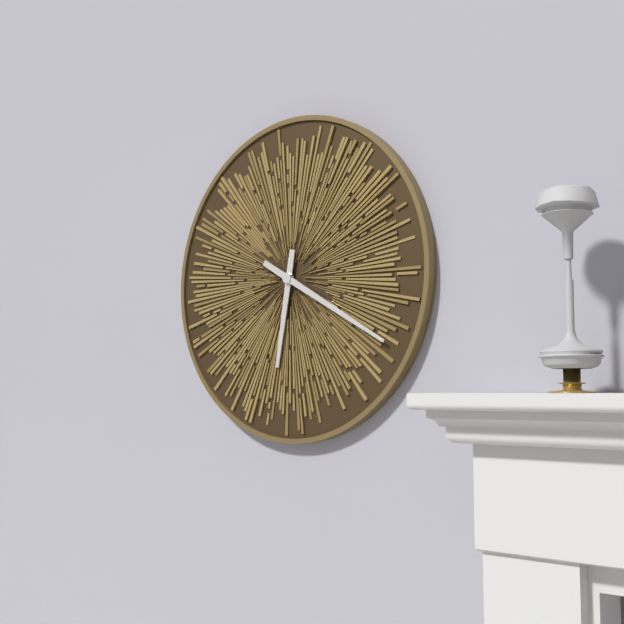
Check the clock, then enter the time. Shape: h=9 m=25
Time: h=6 m=20
